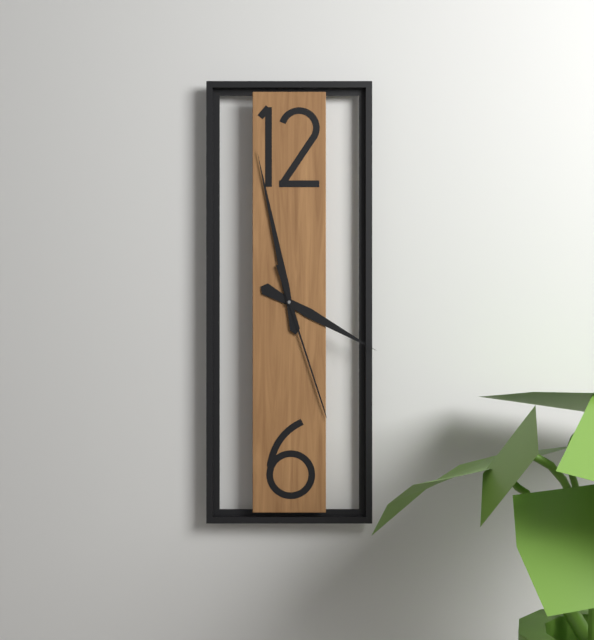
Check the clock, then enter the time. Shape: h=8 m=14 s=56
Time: h=3 m=58 s=27
